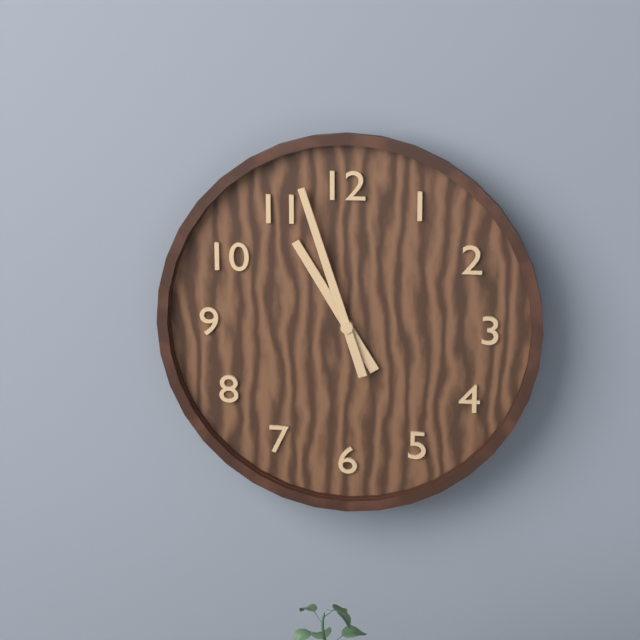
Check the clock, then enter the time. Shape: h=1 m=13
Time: h=10 m=57
